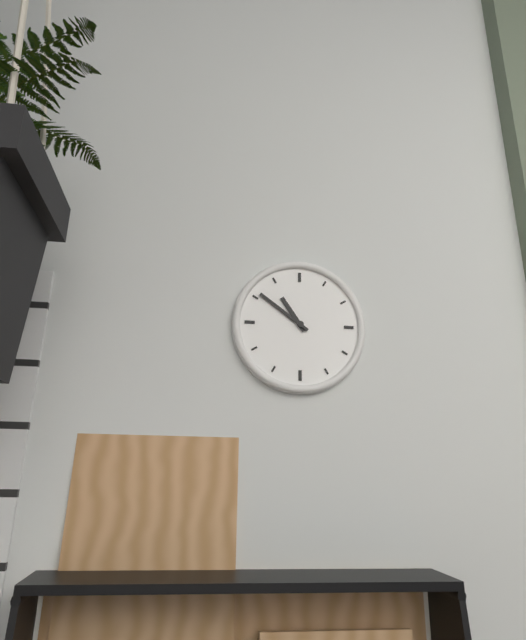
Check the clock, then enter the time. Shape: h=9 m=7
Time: h=10 m=51
